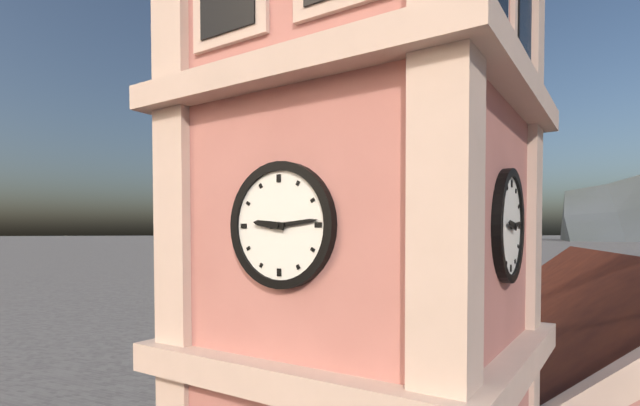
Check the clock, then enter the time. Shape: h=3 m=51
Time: h=9 m=14
